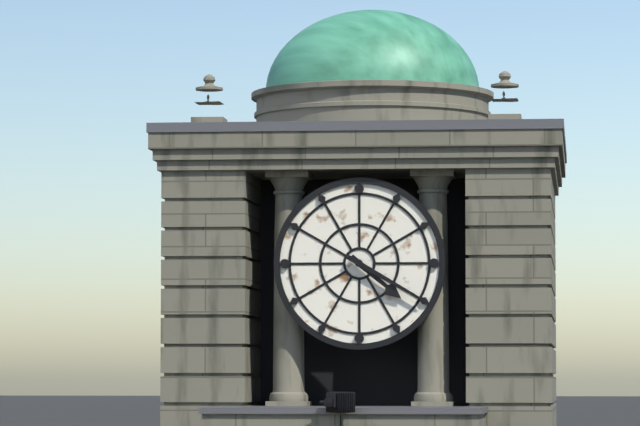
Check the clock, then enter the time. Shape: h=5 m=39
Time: h=4 m=20
